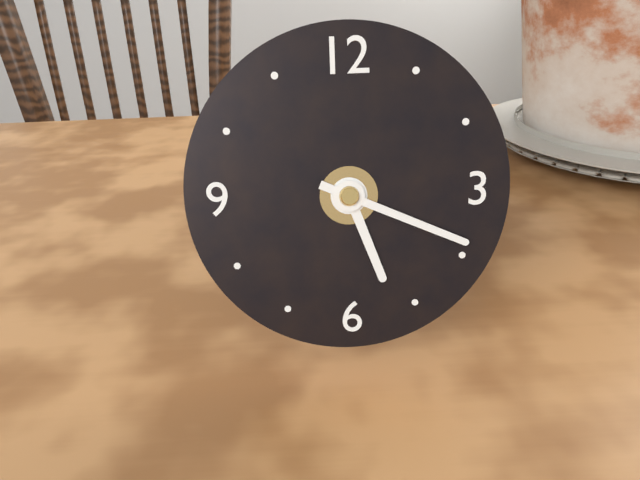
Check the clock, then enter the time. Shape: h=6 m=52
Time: h=5 m=19
